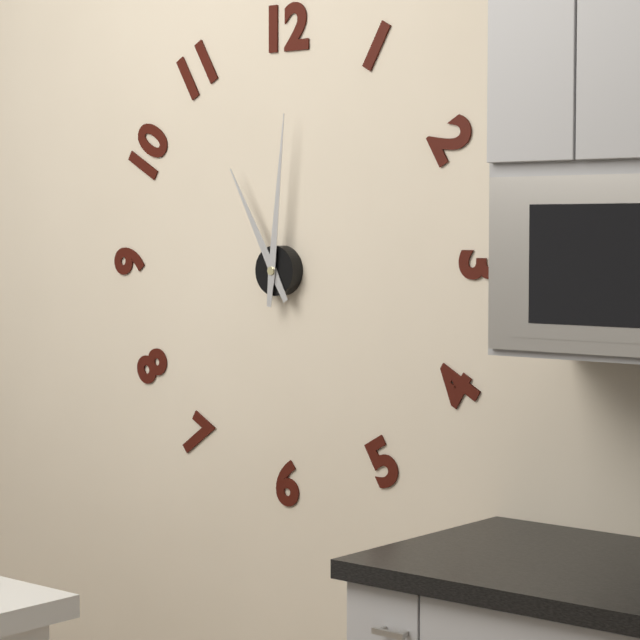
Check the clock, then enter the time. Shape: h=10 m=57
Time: h=11 m=1
